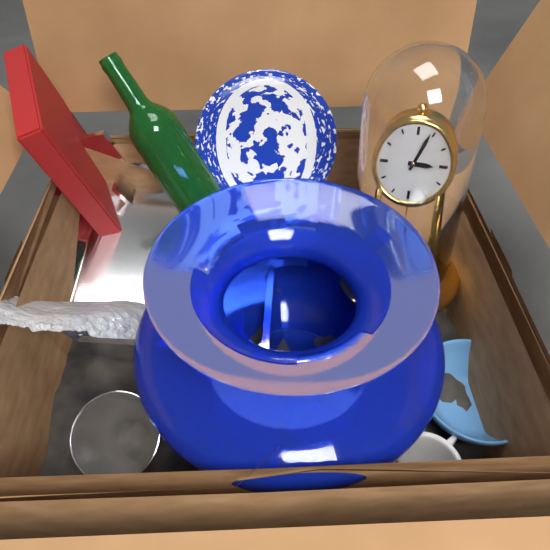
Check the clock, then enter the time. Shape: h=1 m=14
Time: h=3 m=4
